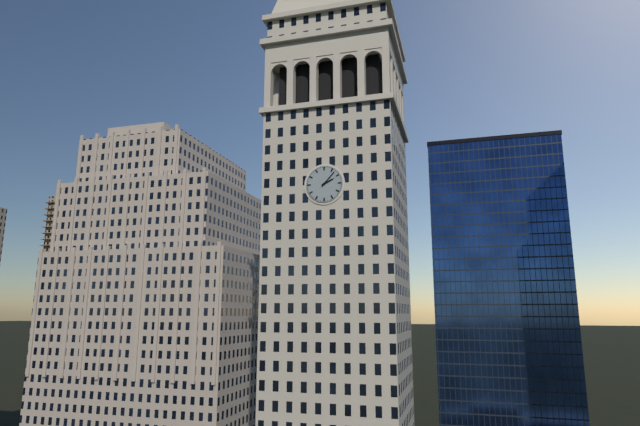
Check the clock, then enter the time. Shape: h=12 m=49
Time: h=2 m=7
